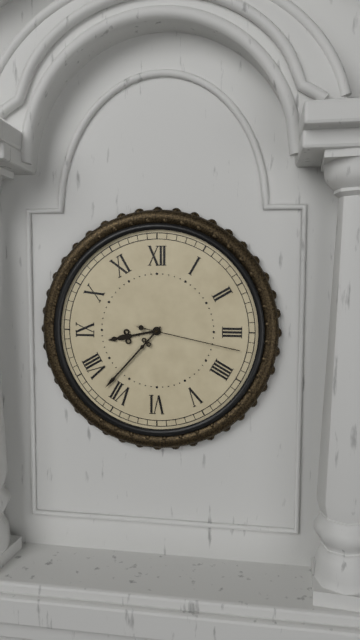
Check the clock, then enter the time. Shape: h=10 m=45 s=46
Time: h=8 m=37 s=17
